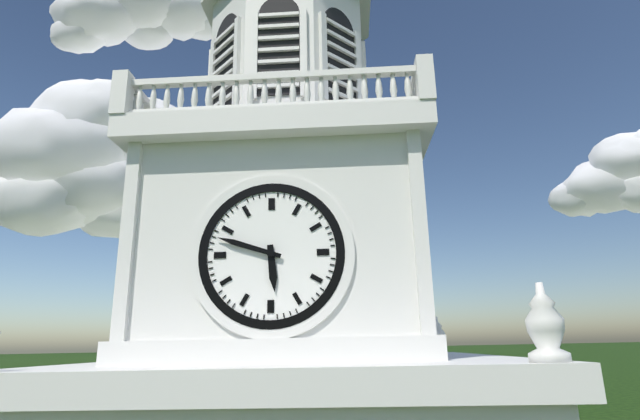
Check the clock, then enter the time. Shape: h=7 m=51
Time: h=5 m=48
